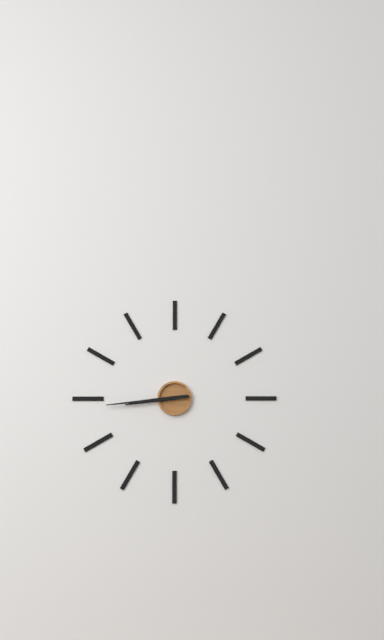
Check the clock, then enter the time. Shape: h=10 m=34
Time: h=8 m=44
